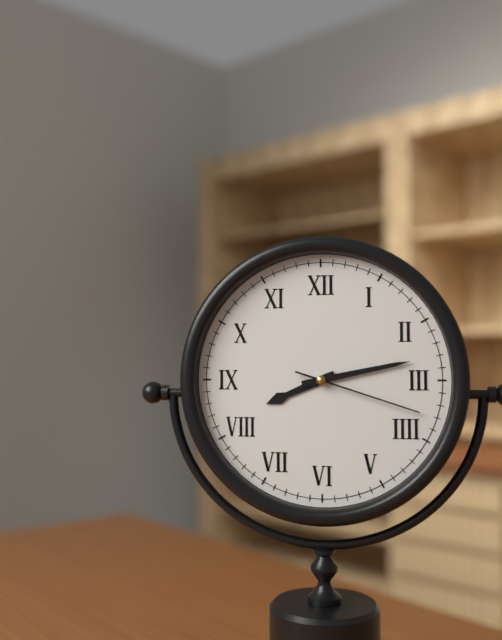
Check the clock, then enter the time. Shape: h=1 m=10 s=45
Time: h=8 m=13 s=18
